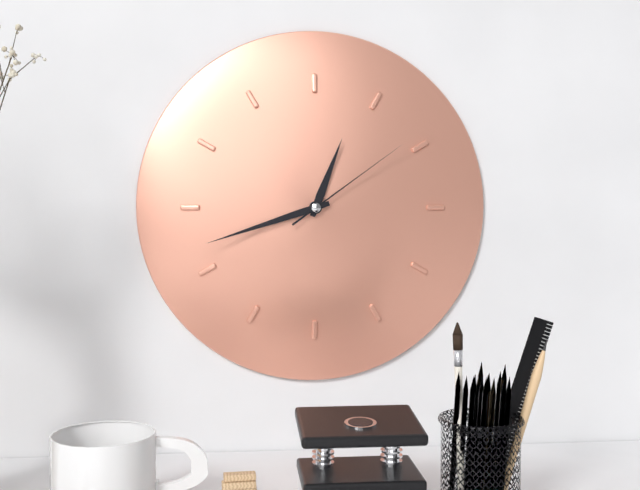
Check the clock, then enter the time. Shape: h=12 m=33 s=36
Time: h=12 m=42 s=9
